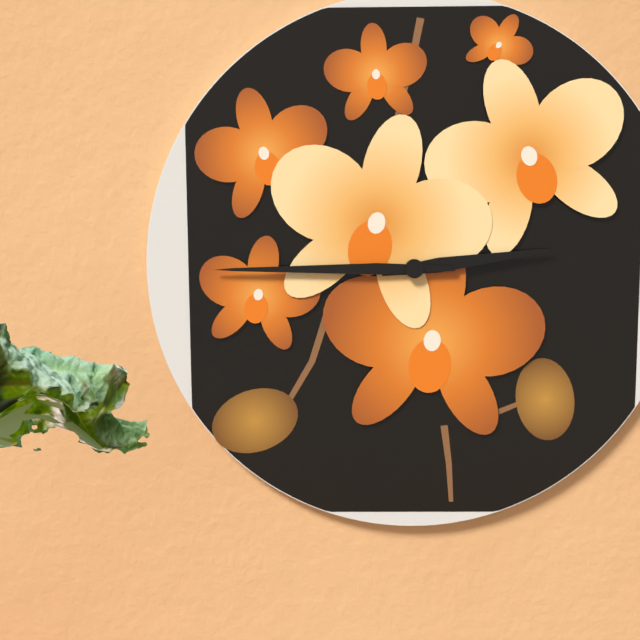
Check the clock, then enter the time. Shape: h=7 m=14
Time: h=2 m=45
